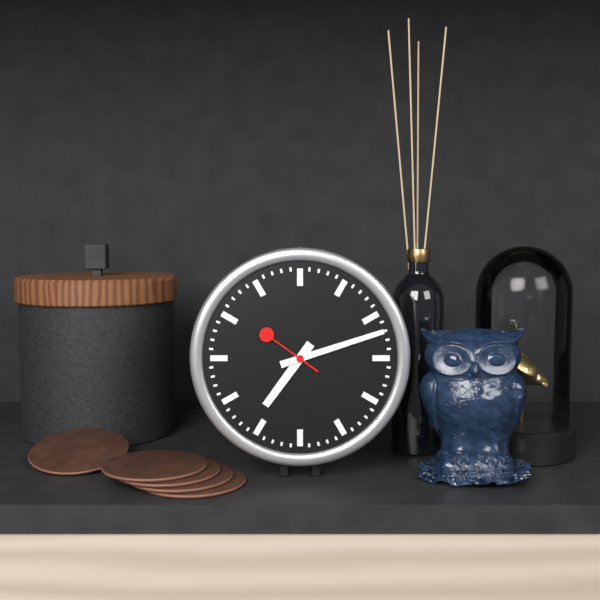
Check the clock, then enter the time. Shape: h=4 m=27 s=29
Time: h=7 m=12 s=51
